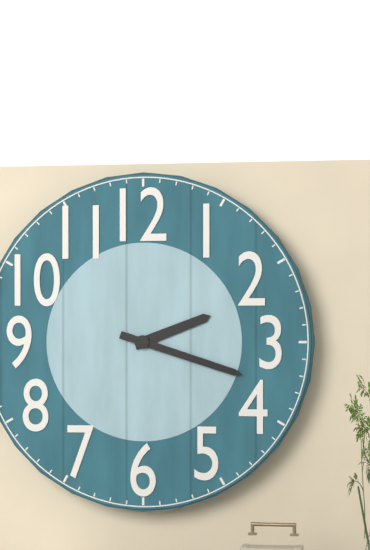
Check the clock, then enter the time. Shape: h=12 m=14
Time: h=2 m=18
